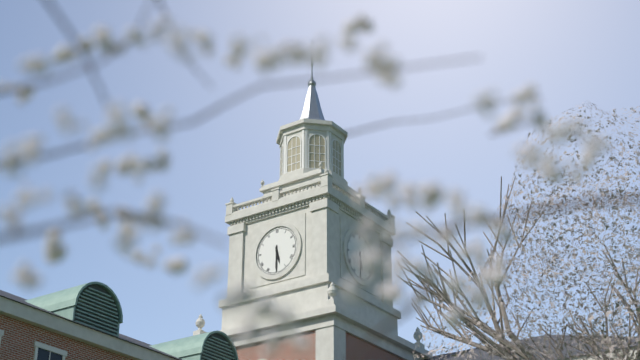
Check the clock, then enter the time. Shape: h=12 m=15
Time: h=5 m=30
